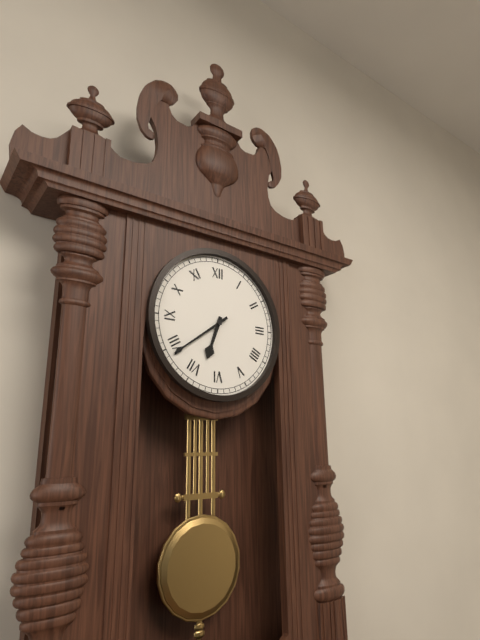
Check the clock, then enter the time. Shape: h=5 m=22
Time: h=6 m=39
